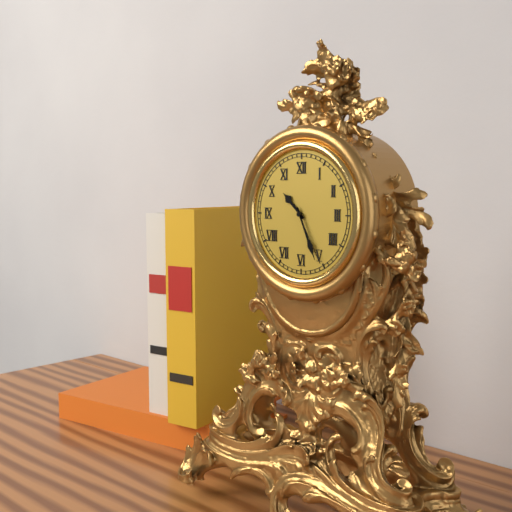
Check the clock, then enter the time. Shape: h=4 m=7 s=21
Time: h=10 m=26 s=25
